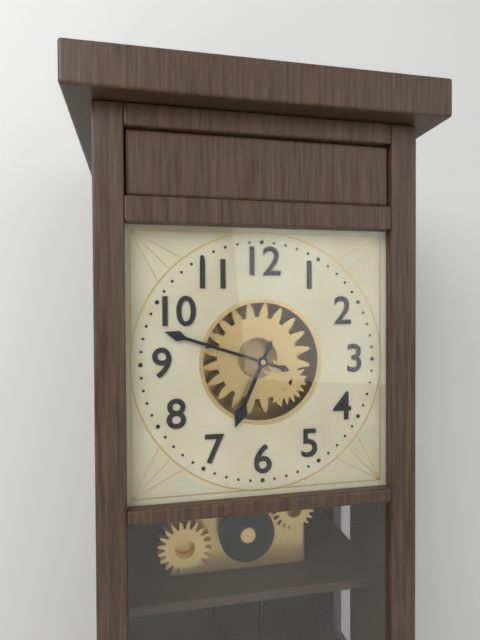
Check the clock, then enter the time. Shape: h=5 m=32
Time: h=6 m=48
